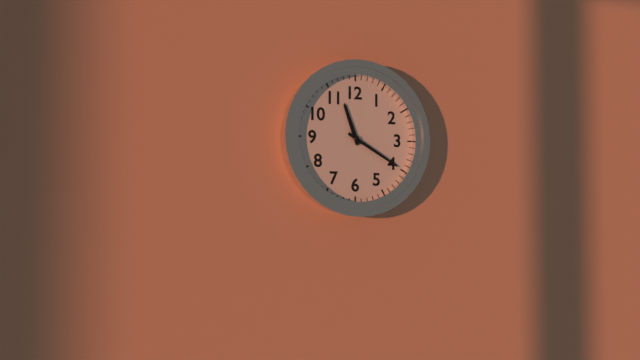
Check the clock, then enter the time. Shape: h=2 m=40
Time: h=11 m=20
